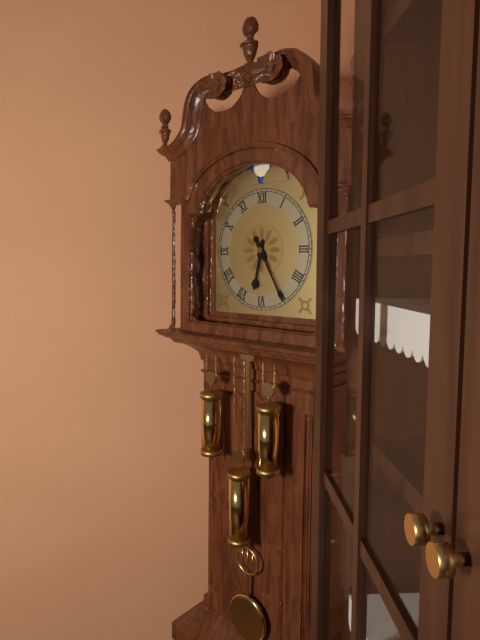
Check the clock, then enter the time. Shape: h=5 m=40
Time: h=6 m=25
